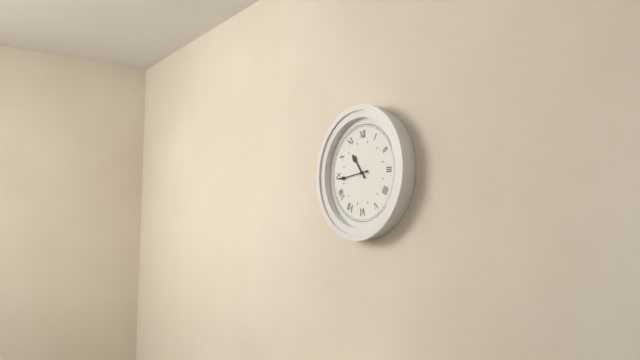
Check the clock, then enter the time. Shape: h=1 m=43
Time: h=10 m=44
